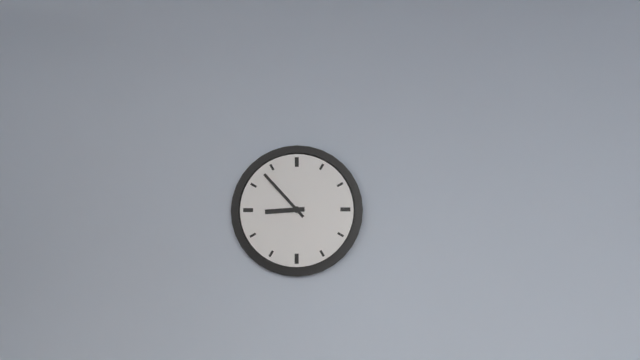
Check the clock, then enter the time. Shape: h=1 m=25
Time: h=8 m=53
